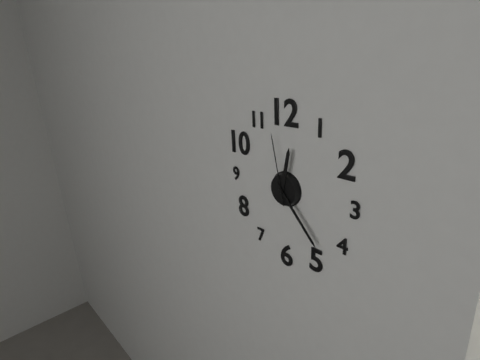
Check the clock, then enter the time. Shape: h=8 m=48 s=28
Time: h=12 m=23 s=58
